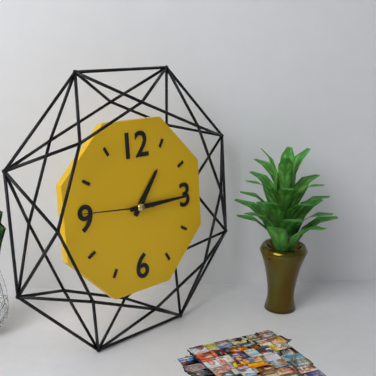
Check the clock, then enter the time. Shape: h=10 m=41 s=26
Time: h=1 m=15 s=46
